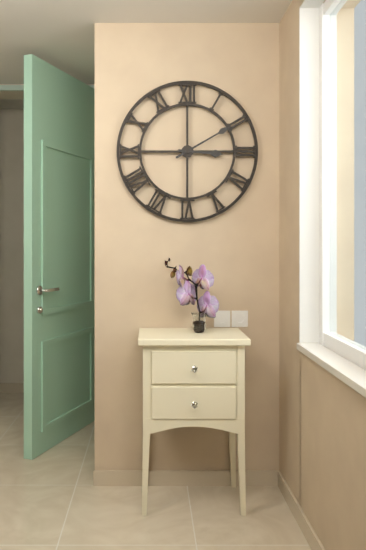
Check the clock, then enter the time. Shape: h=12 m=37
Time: h=3 m=10
